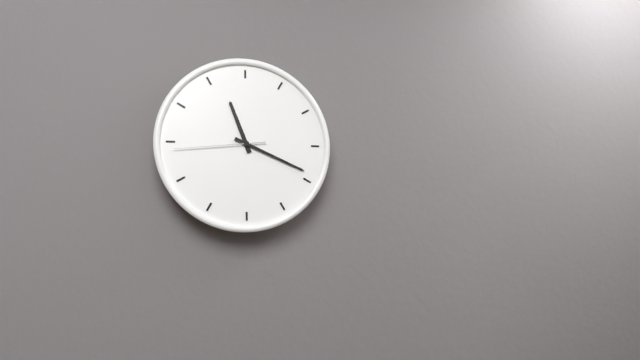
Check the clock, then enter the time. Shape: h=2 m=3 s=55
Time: h=11 m=19 s=44
